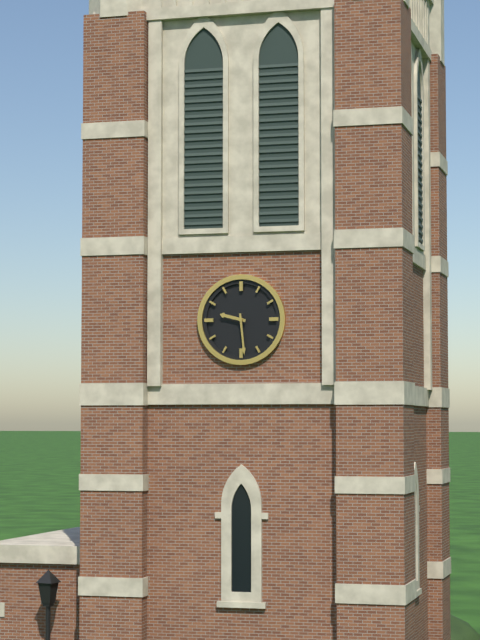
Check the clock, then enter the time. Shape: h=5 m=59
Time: h=9 m=29
